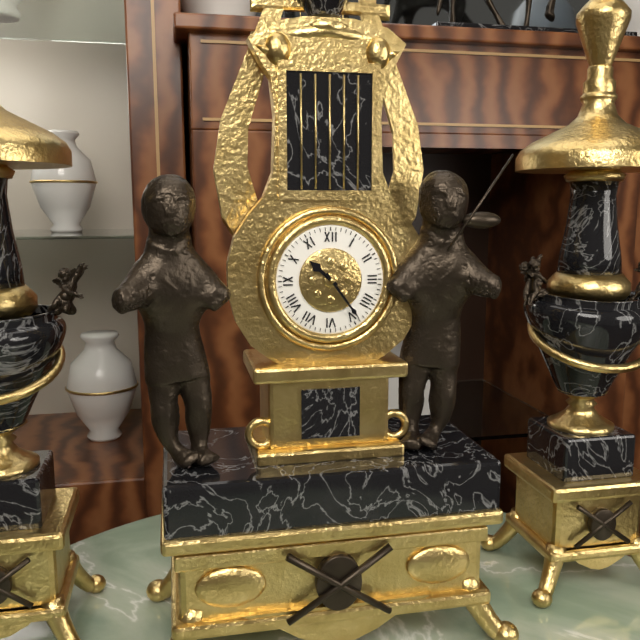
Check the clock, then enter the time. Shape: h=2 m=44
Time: h=10 m=24
